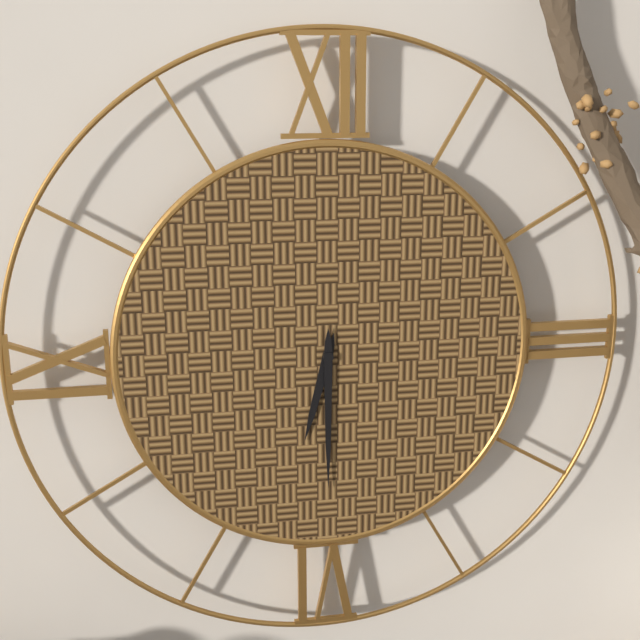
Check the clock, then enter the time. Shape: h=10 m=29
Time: h=6 m=30
